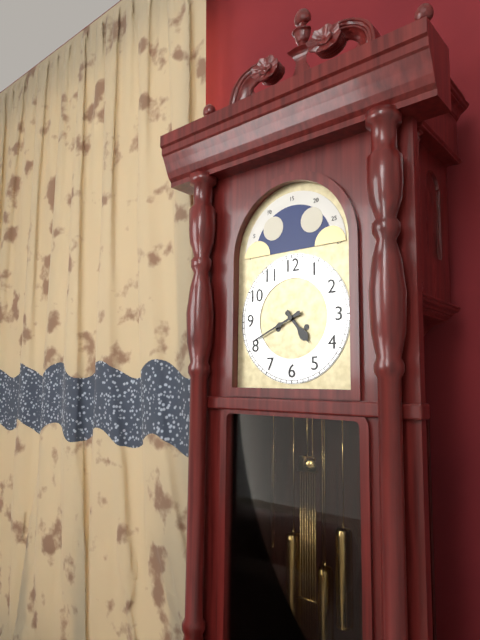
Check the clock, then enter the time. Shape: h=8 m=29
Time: h=4 m=41
